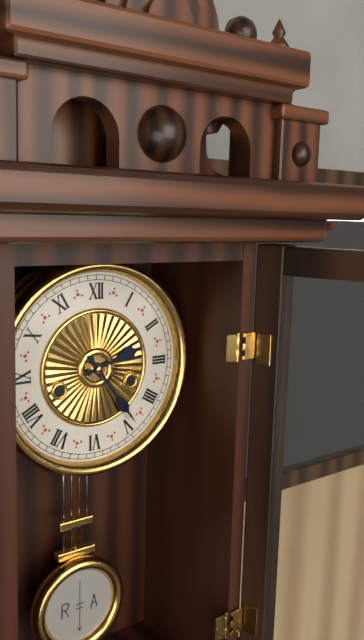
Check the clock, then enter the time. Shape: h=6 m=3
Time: h=2 m=24
